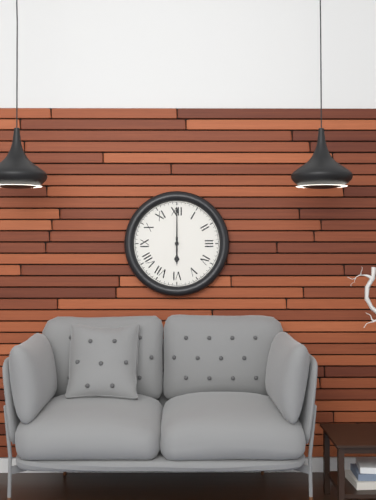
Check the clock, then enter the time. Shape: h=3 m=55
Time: h=6 m=0
